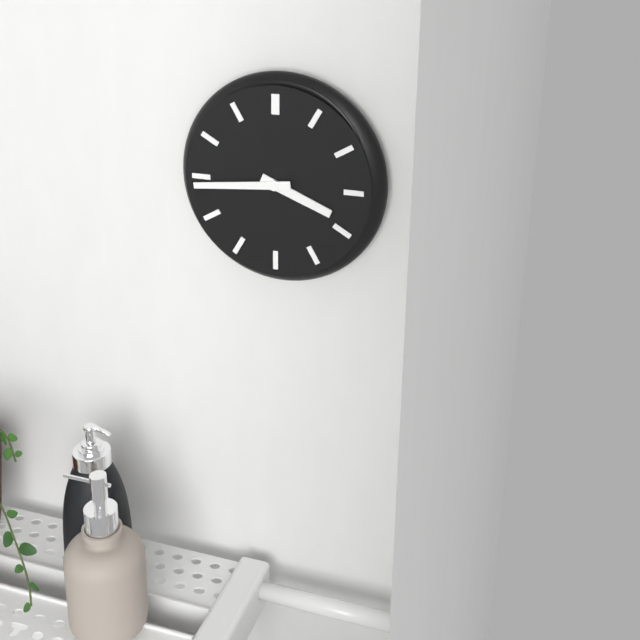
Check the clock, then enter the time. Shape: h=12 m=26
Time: h=3 m=44
